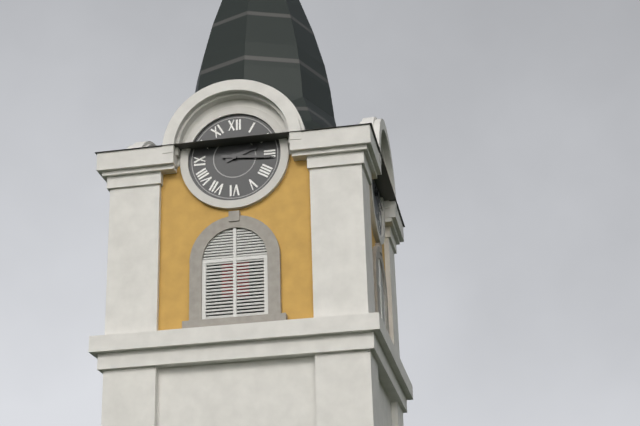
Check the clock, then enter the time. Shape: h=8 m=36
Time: h=2 m=16
